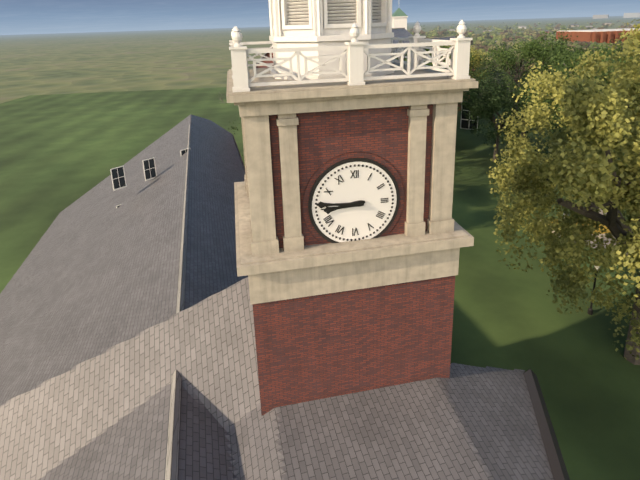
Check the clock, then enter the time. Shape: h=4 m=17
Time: h=8 m=46
